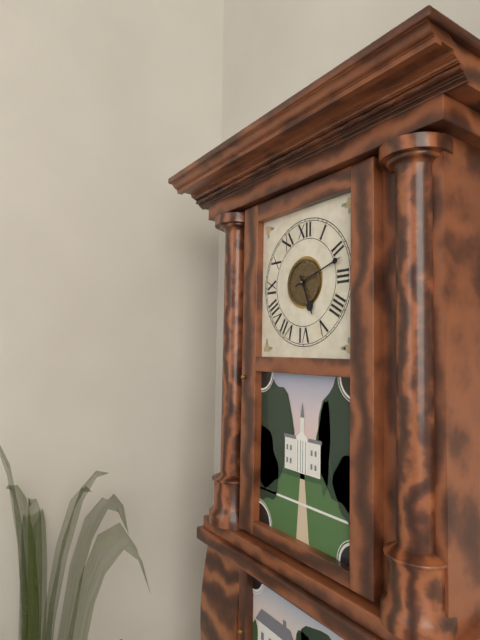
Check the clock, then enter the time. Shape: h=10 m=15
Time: h=5 m=12
